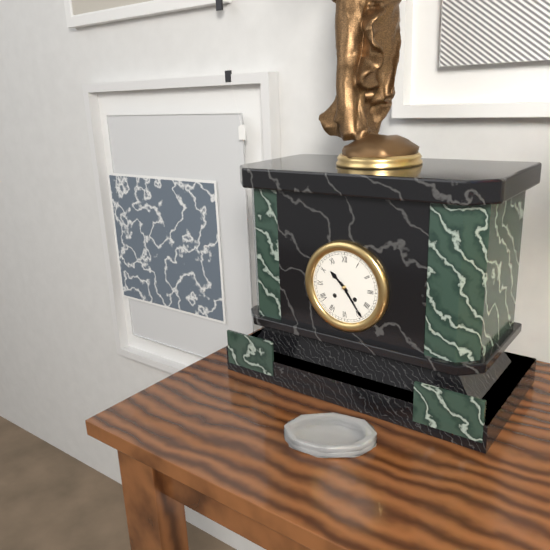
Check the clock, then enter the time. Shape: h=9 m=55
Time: h=10 m=24
